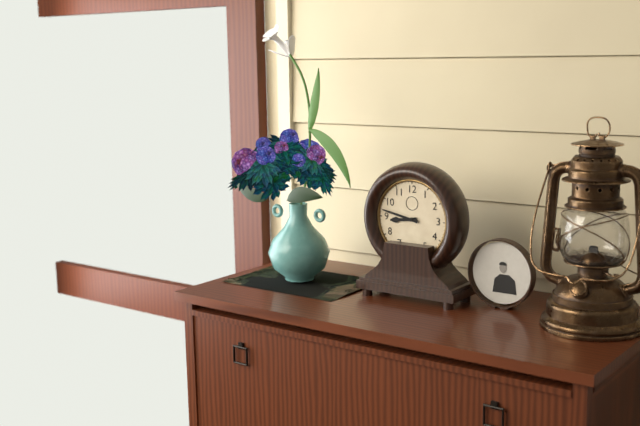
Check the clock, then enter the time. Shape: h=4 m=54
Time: h=8 m=47
